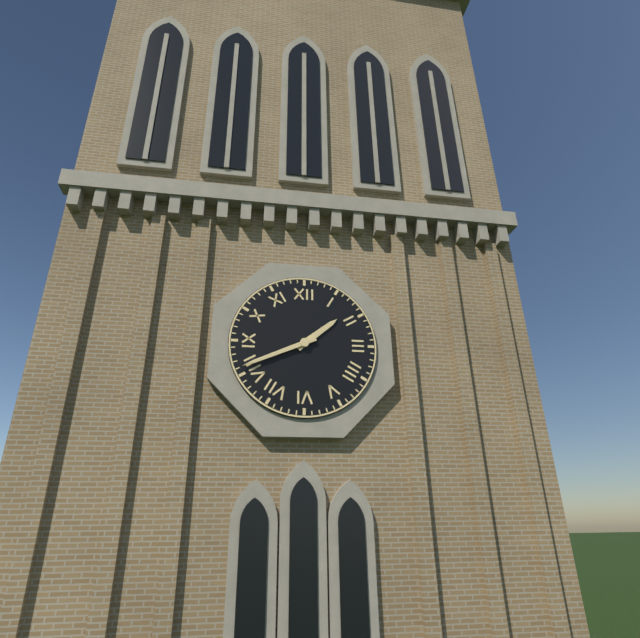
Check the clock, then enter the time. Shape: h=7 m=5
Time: h=1 m=41
